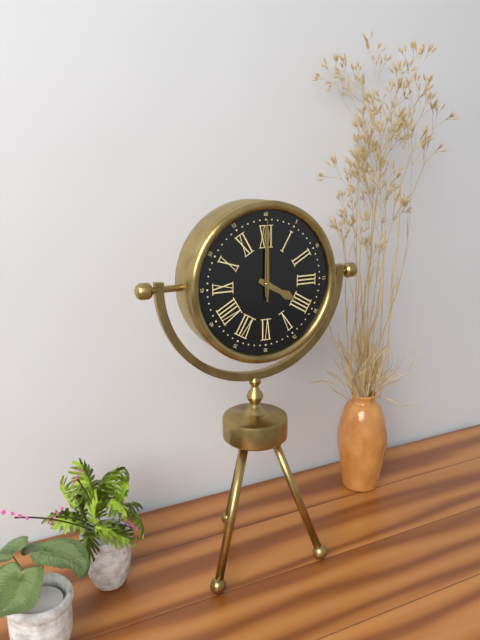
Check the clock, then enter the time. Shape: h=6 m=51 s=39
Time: h=4 m=0 s=0
